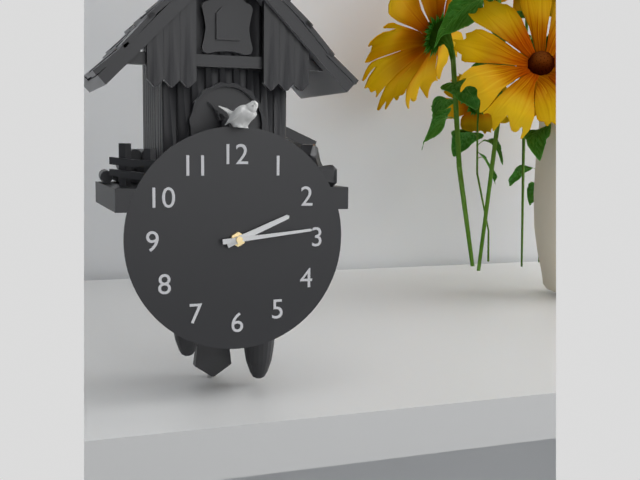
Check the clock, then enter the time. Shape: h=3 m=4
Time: h=2 m=14
